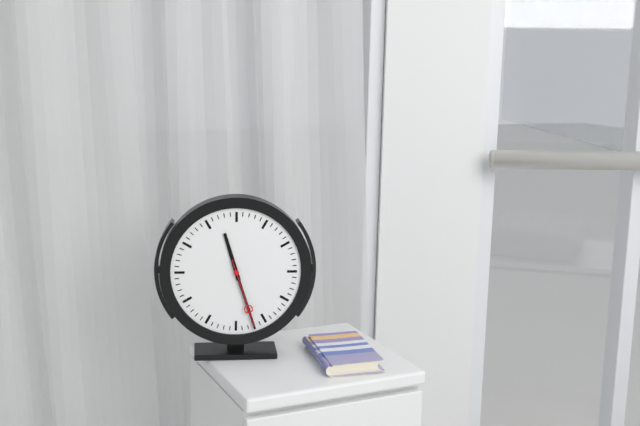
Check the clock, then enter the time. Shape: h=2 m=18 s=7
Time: h=11 m=27 s=27
